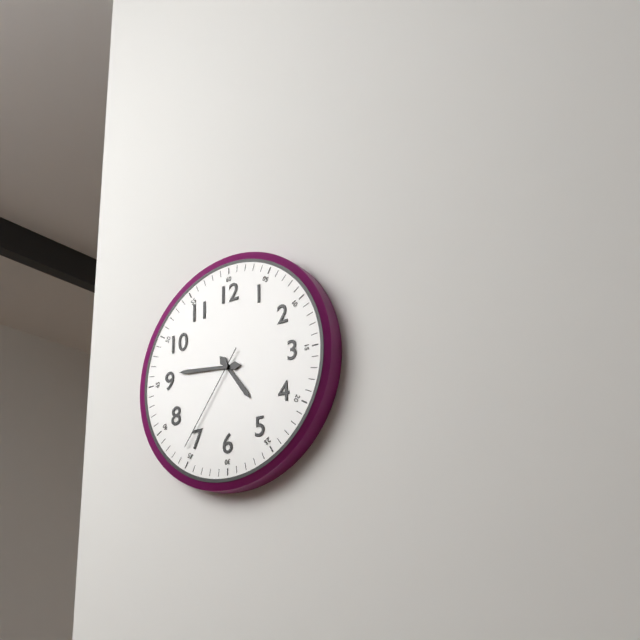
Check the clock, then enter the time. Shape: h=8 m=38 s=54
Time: h=4 m=46 s=36
